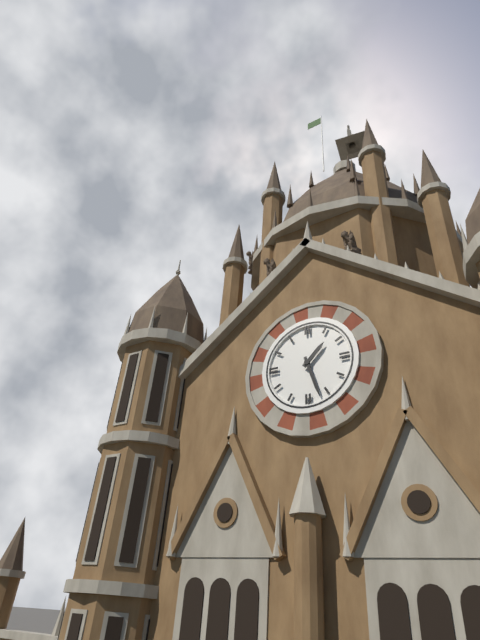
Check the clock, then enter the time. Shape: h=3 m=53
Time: h=1 m=27
